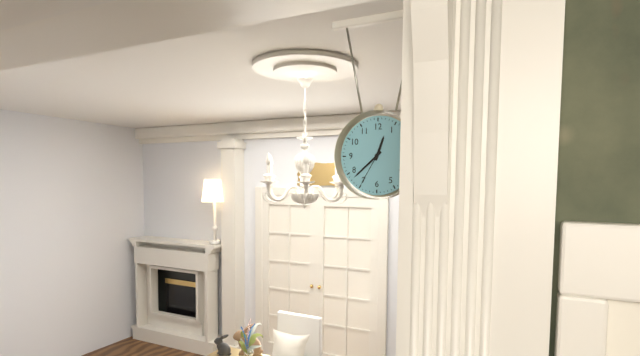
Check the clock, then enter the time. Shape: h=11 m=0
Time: h=12 m=38
